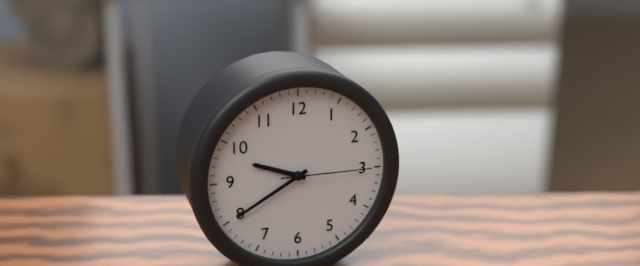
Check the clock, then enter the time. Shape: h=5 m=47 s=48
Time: h=9 m=40 s=15
